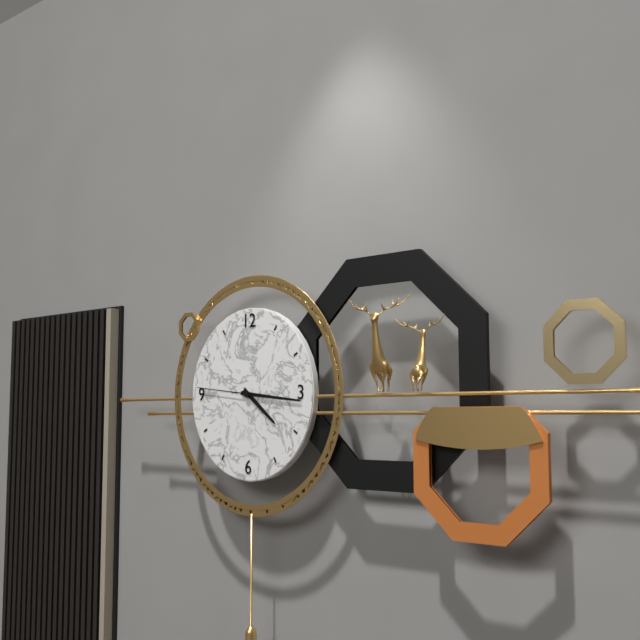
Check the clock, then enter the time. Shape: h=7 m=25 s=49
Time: h=4 m=16 s=46
